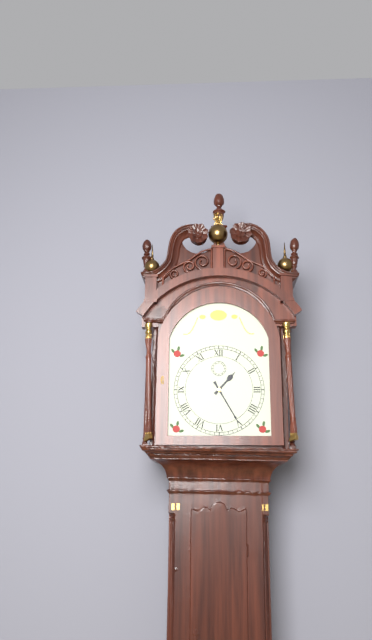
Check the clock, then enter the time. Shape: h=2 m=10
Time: h=1 m=25
